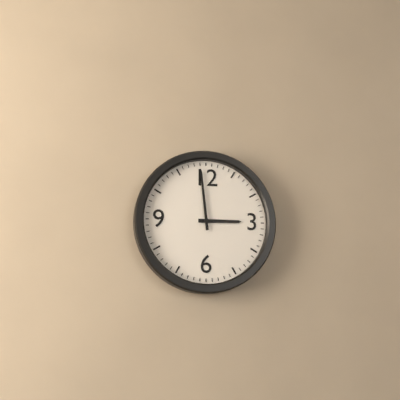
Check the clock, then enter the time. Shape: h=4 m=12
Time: h=2 m=59
